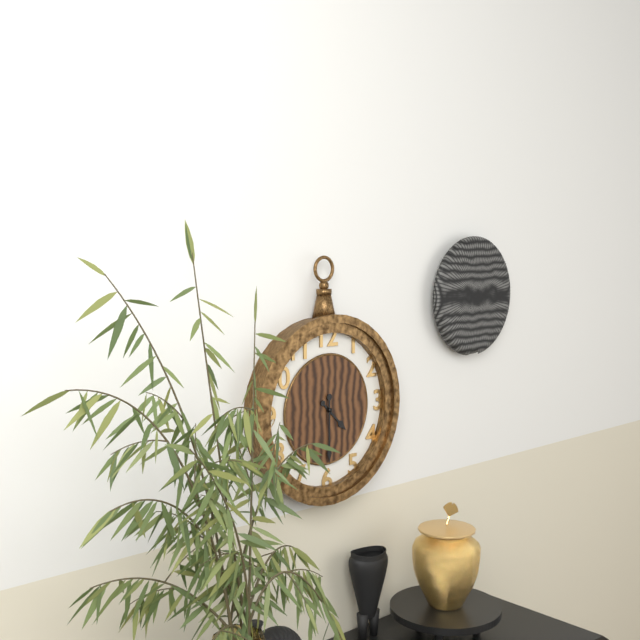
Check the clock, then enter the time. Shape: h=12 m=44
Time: h=4 m=30
